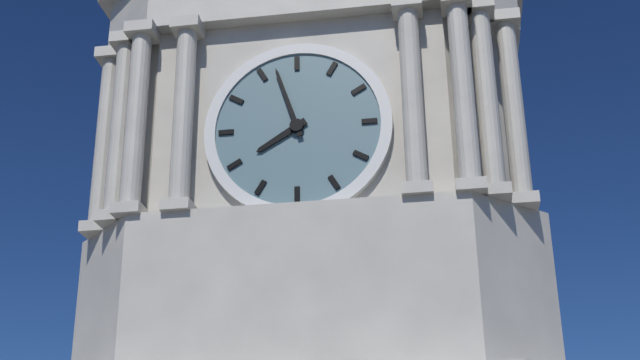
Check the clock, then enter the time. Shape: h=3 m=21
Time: h=7 m=57
